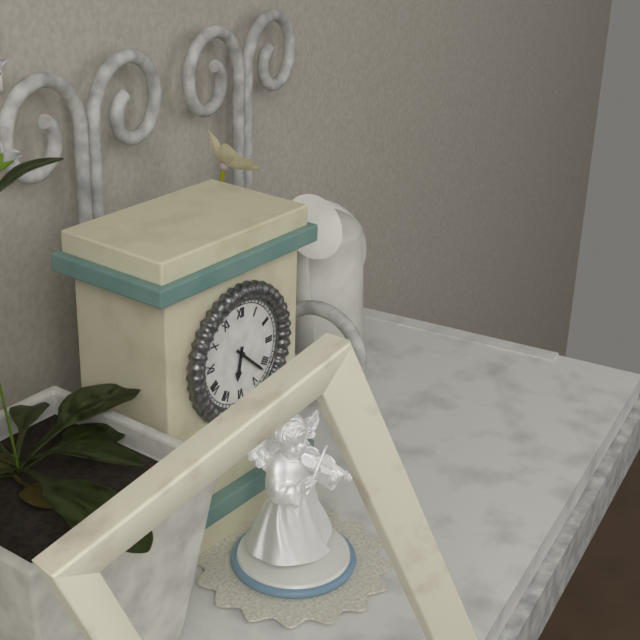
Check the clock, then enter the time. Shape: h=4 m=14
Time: h=6 m=22
